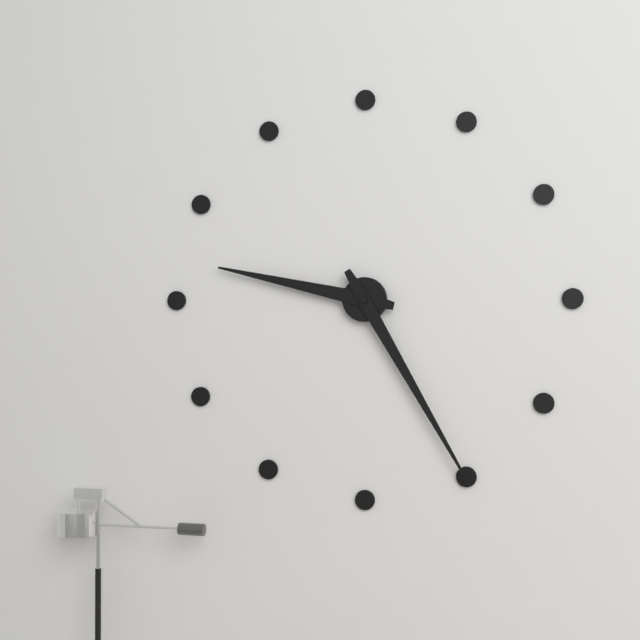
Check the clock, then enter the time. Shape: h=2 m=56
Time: h=9 m=25
